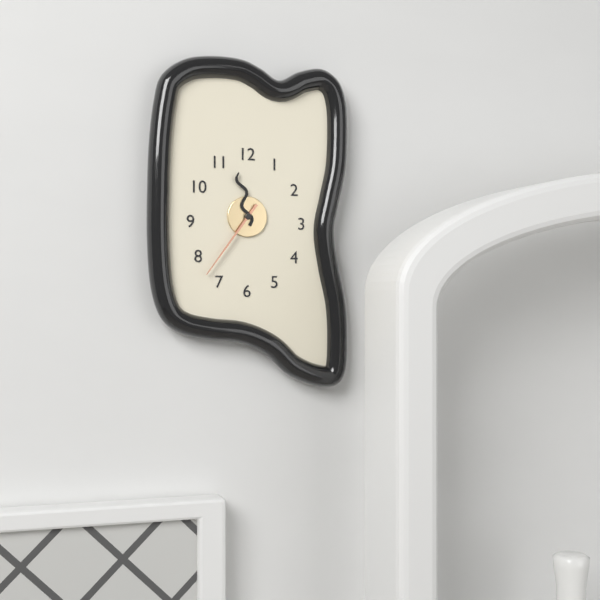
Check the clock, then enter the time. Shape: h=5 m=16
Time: h=11 m=36
